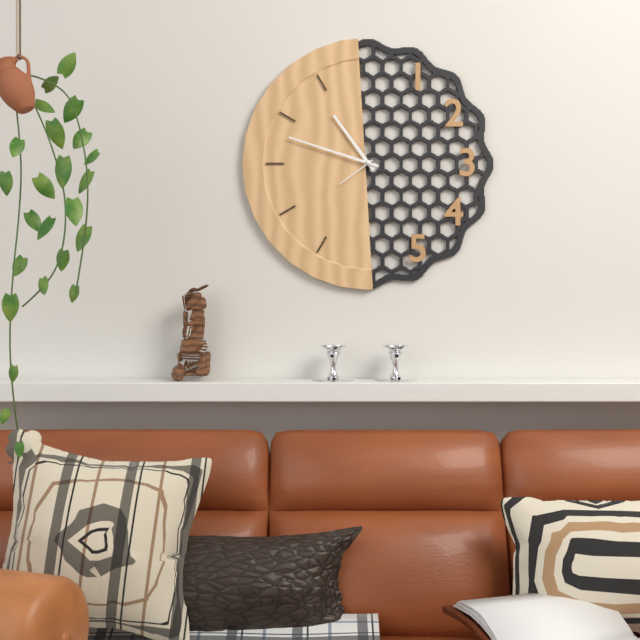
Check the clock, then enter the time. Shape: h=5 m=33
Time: h=10 m=48
